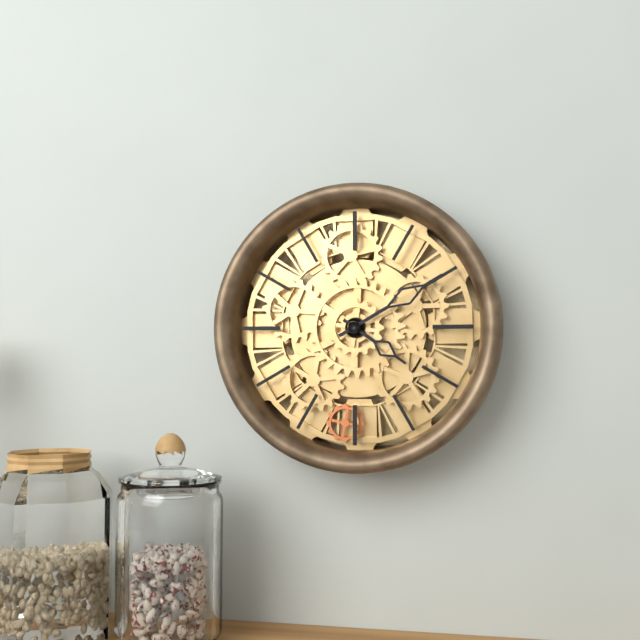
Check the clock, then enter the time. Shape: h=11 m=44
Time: h=4 m=10
